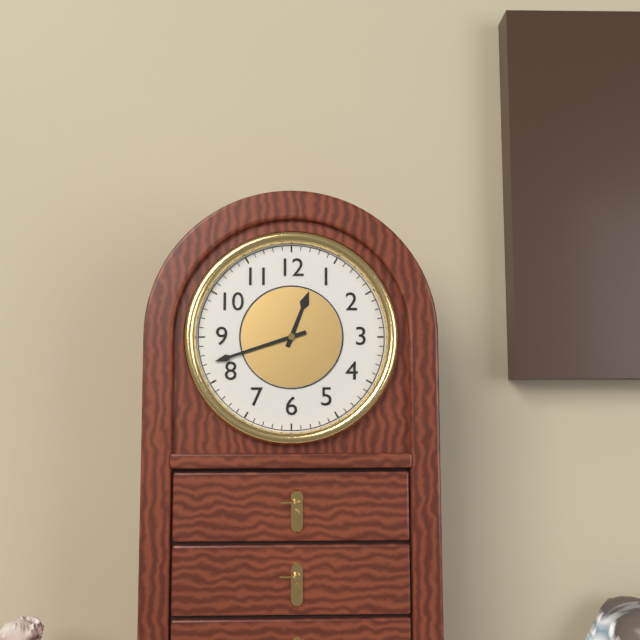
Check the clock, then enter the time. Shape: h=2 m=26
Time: h=12 m=42
